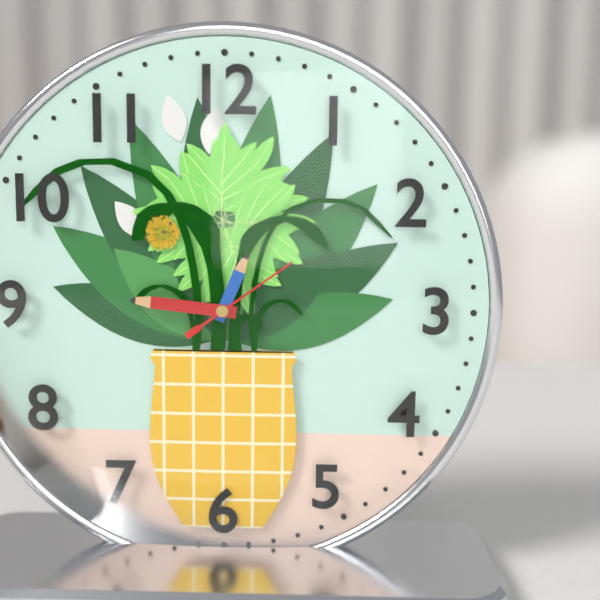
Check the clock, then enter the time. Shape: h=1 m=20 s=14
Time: h=12 m=46 s=9
